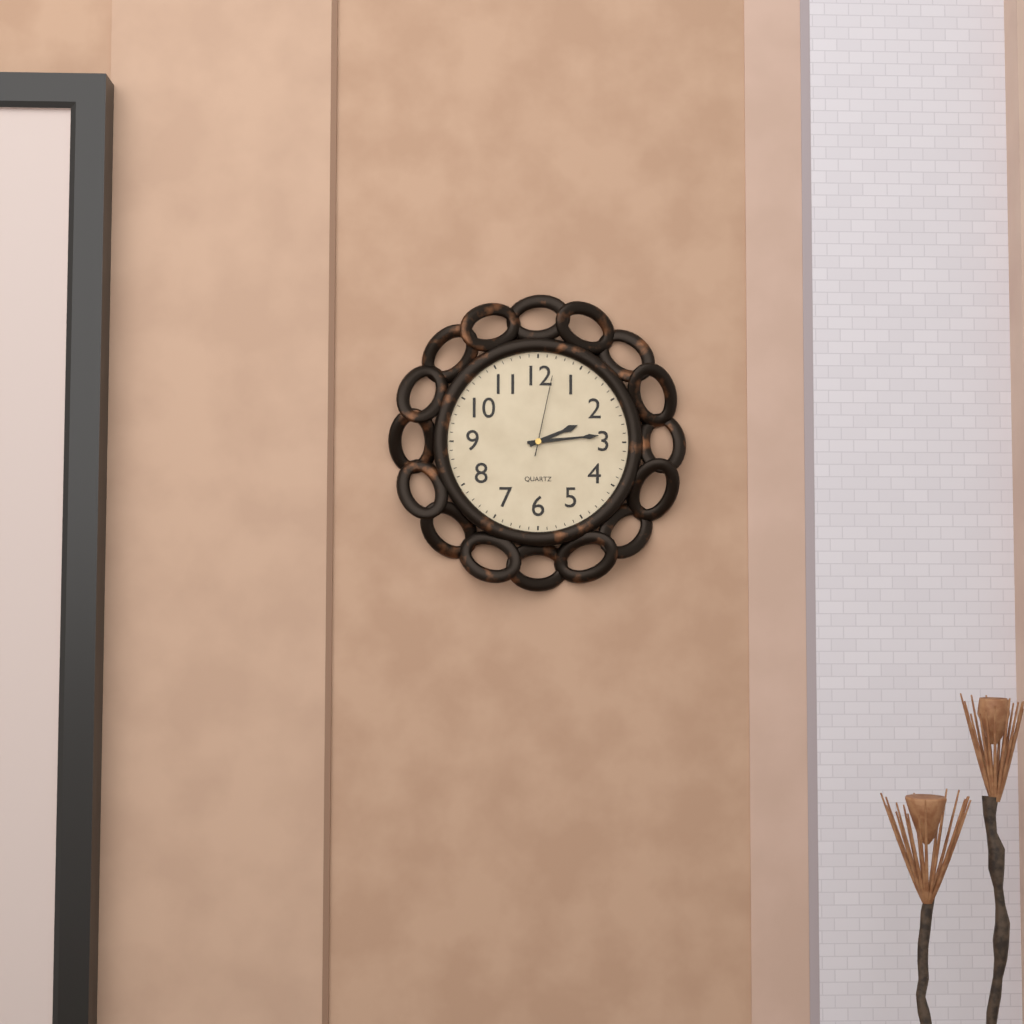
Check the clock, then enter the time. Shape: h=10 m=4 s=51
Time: h=2 m=14 s=2
